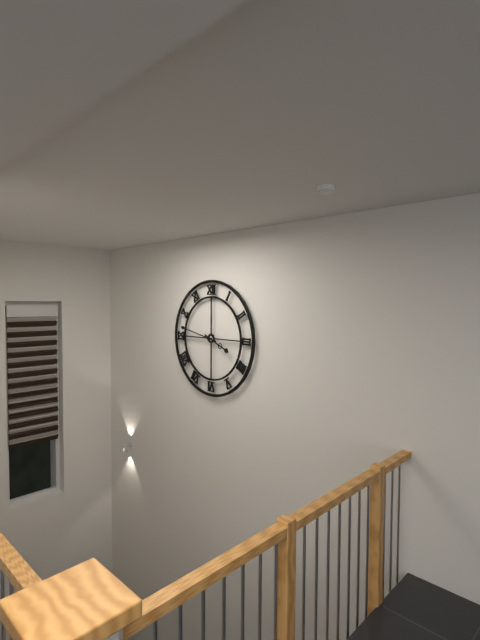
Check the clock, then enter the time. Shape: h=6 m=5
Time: h=3 m=47
